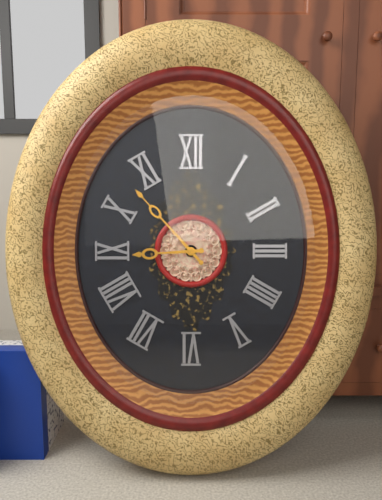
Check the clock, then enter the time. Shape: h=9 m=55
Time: h=8 m=53
